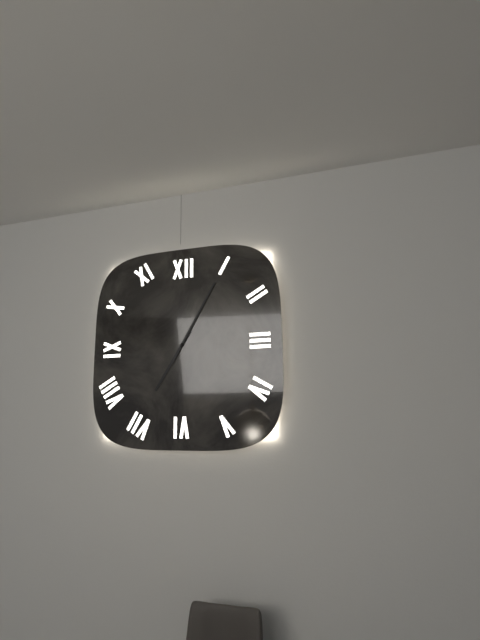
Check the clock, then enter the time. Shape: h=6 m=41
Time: h=7 m=5
